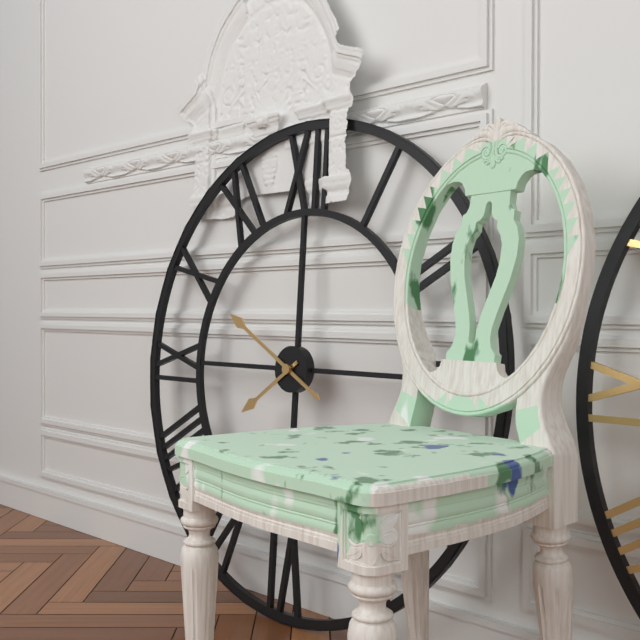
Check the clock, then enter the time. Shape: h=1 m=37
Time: h=7 m=50
